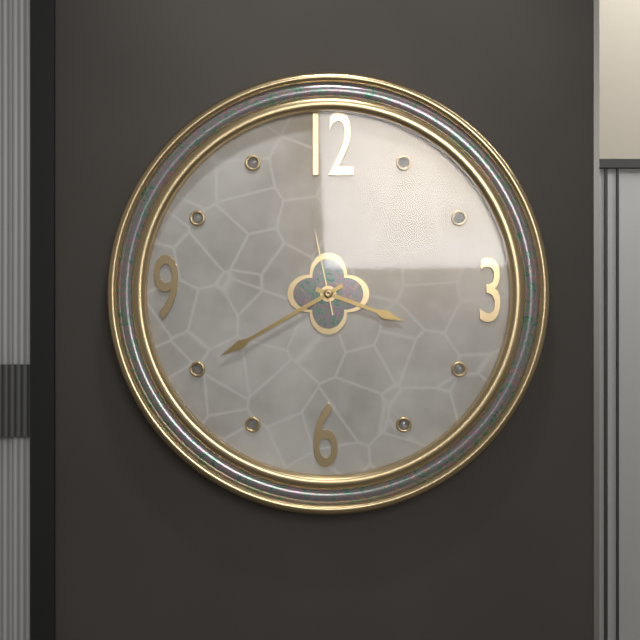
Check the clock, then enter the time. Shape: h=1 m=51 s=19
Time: h=3 m=40 s=58
